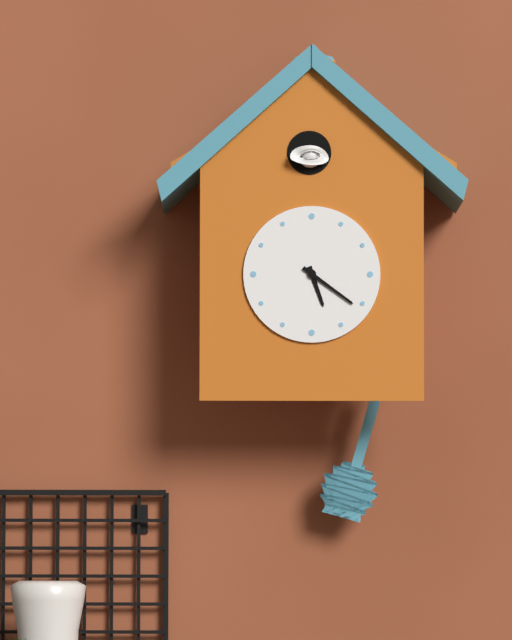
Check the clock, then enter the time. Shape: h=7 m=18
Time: h=5 m=21
